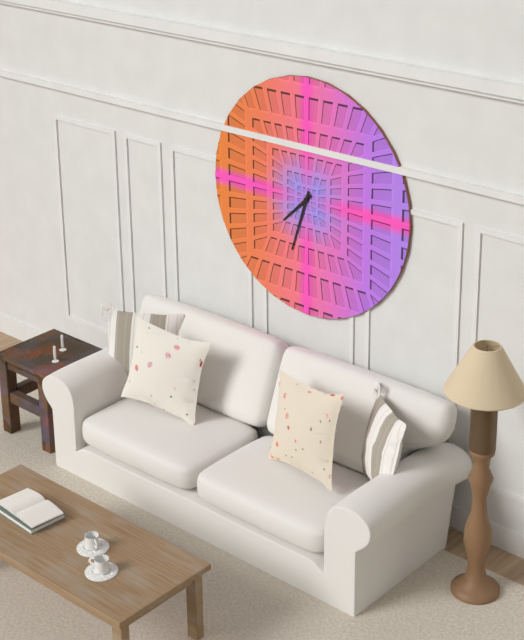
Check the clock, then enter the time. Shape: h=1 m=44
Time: h=7 m=33
